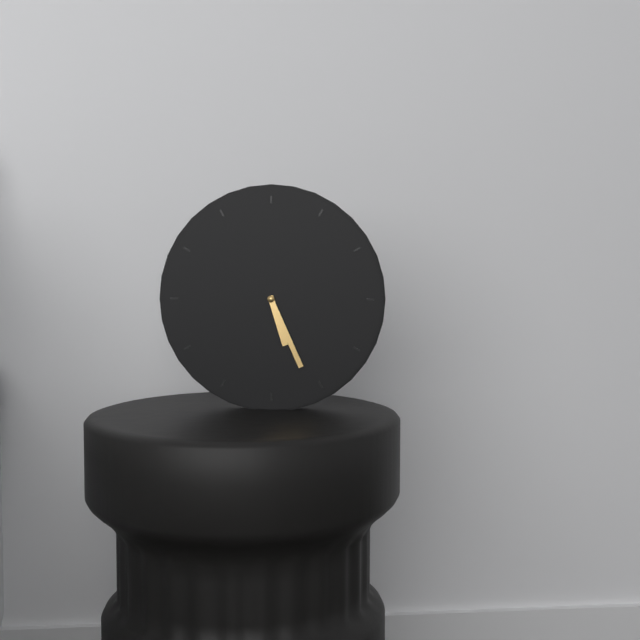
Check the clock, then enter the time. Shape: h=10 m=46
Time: h=5 m=26
